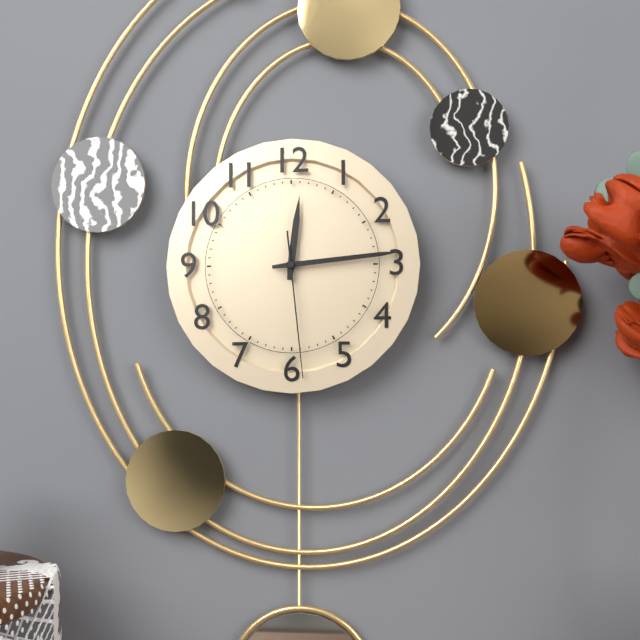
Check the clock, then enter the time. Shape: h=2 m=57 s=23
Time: h=12 m=14 s=29
